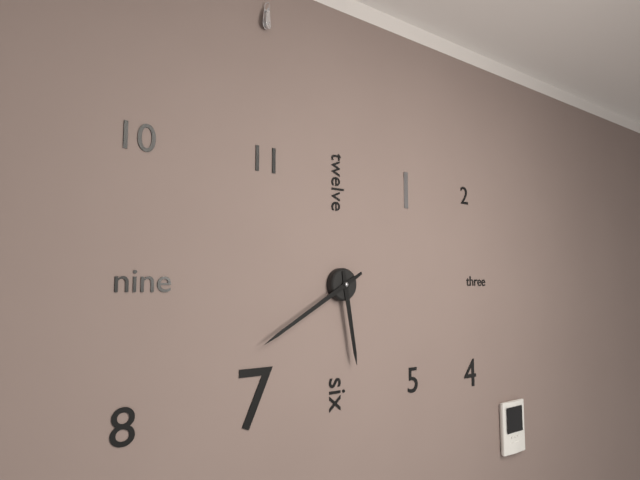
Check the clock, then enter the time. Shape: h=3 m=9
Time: h=5 m=40
